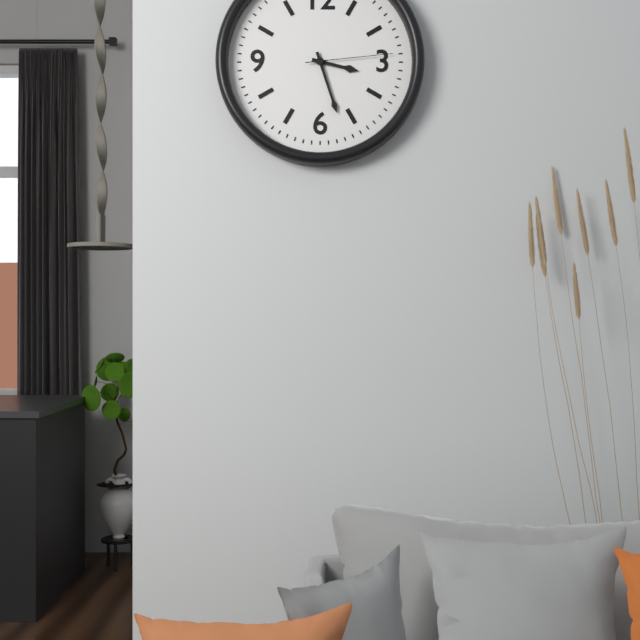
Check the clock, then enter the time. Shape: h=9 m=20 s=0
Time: h=3 m=27 s=14
